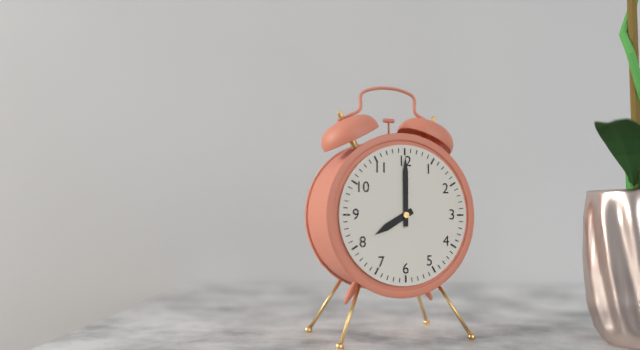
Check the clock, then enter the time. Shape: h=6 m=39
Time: h=8 m=0
